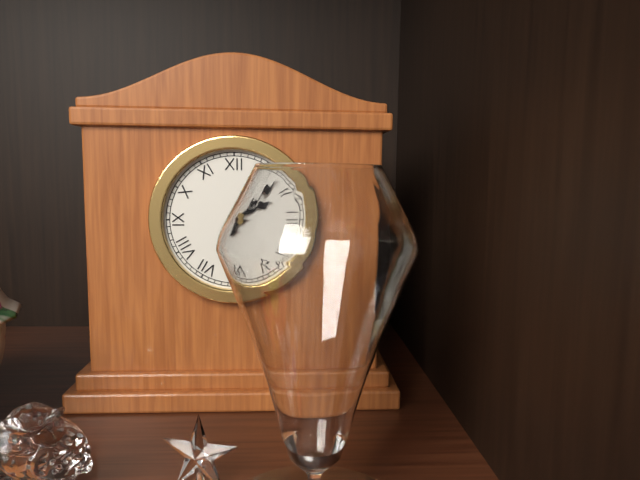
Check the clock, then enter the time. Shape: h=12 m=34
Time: h=2 m=7
